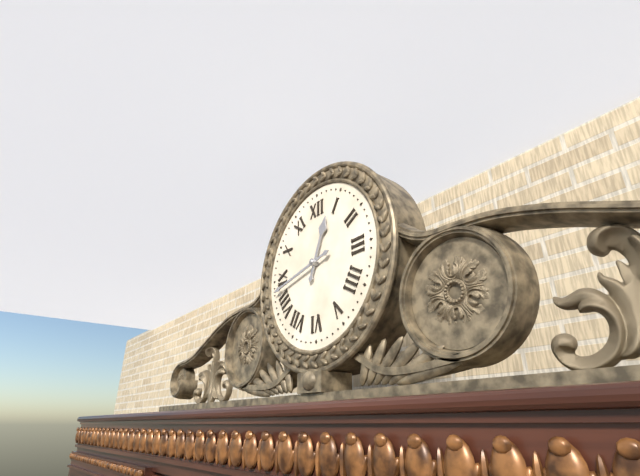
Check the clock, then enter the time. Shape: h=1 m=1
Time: h=12 m=43
